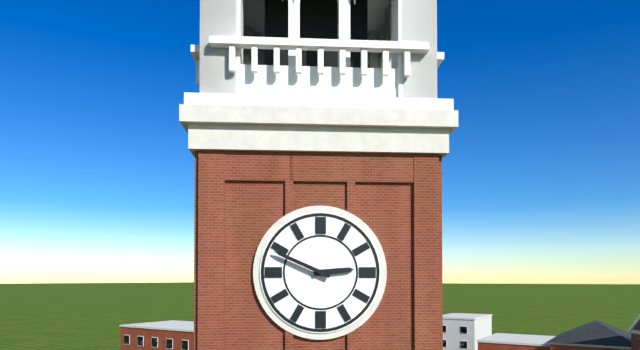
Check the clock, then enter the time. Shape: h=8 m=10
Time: h=2 m=49
